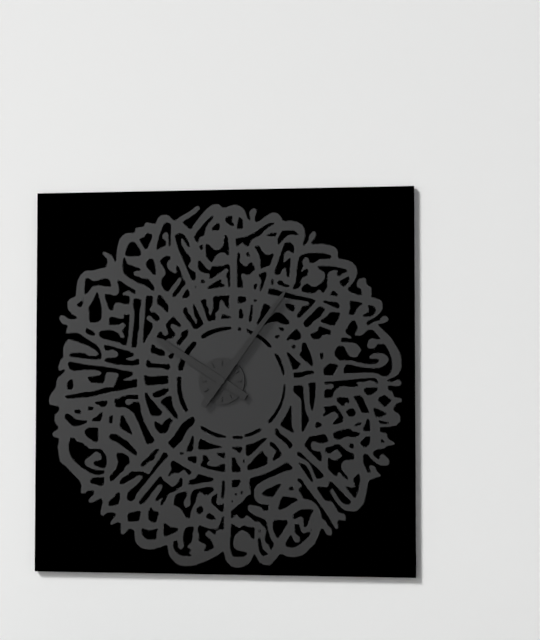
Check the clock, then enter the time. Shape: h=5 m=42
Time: h=10 m=6
